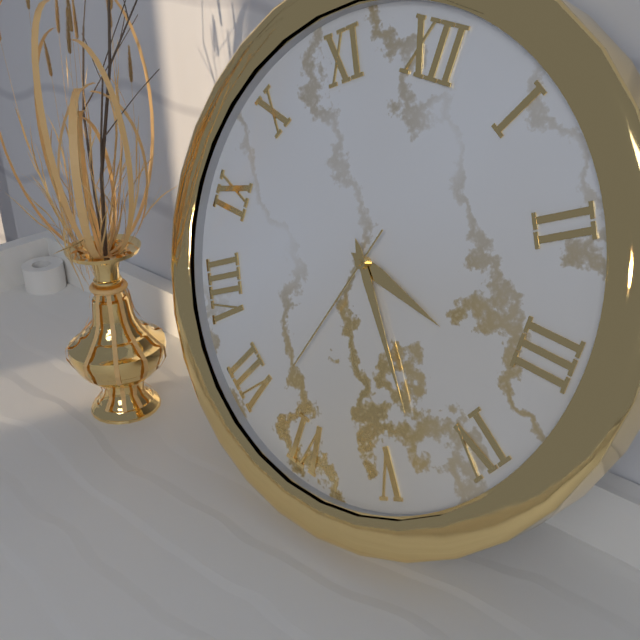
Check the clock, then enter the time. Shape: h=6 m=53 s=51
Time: h=3 m=23 s=33
